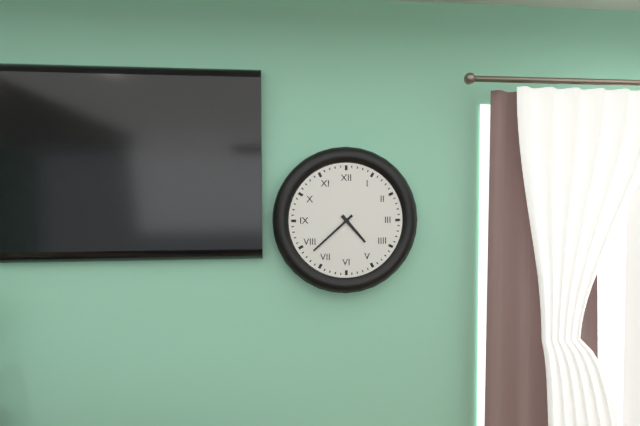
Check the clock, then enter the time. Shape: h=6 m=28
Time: h=4 m=38
